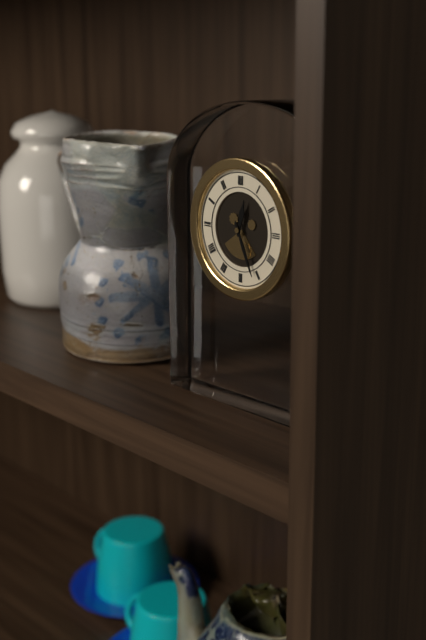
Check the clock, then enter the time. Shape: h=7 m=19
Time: h=12 m=26
